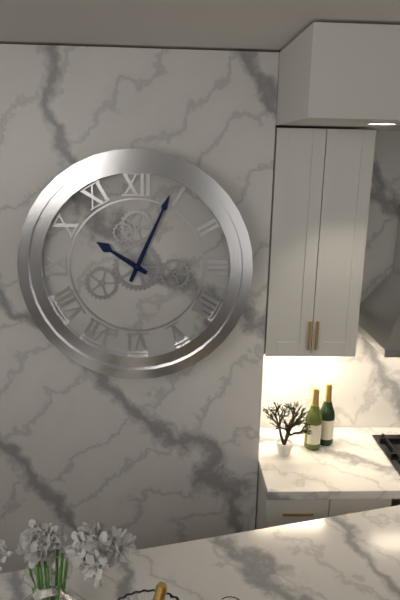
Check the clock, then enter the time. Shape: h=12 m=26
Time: h=10 m=4
